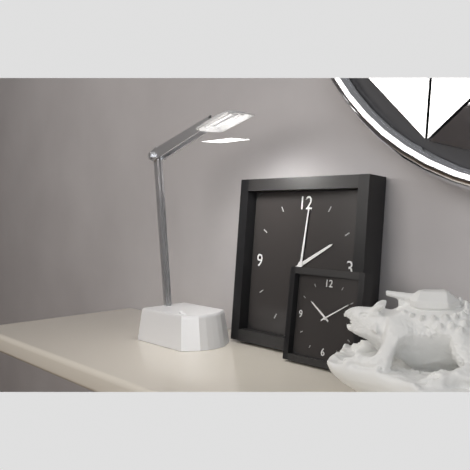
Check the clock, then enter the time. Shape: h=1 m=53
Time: h=2 m=1
